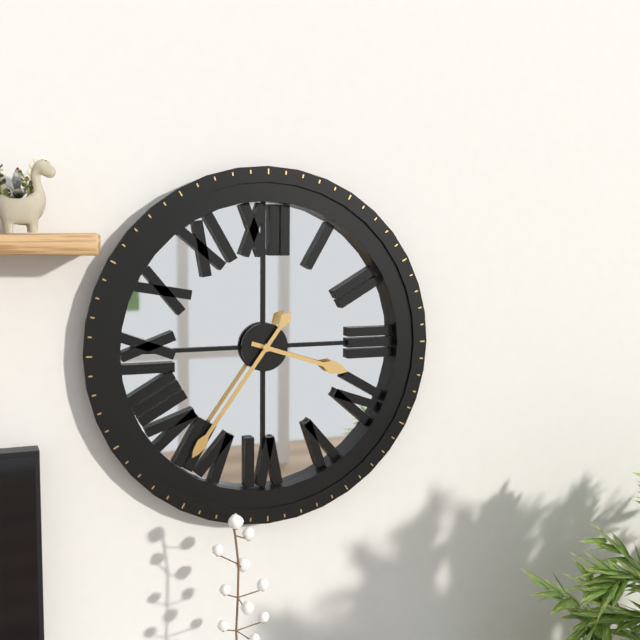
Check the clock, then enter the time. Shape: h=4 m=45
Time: h=3 m=36
